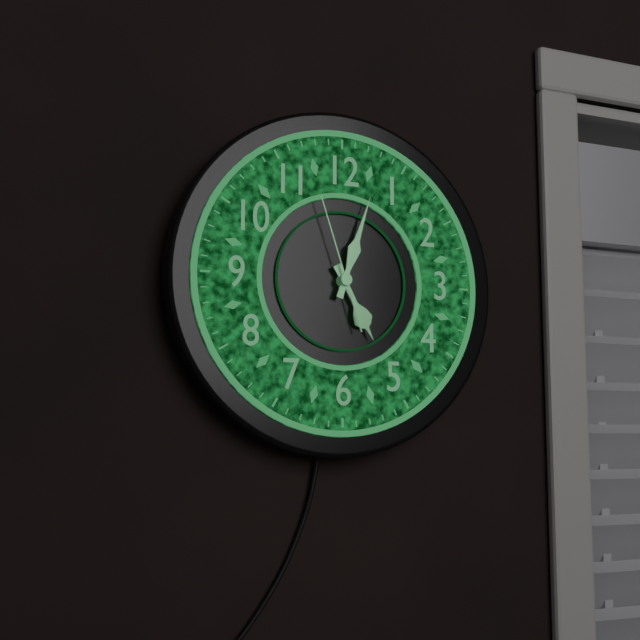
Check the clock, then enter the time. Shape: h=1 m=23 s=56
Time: h=5 m=3 s=57
